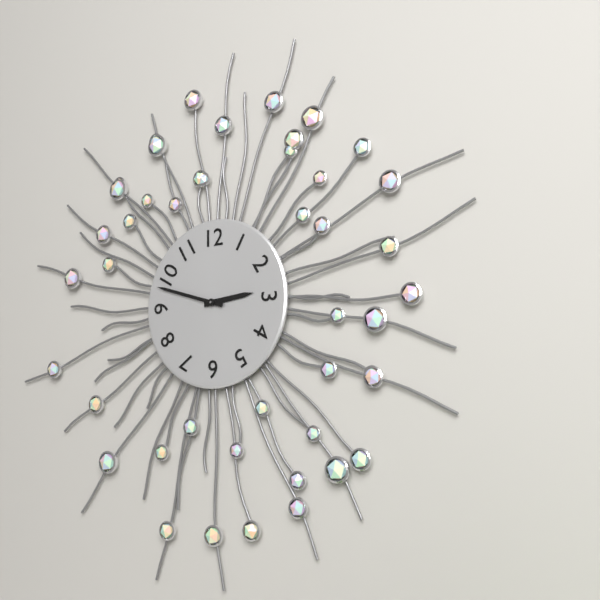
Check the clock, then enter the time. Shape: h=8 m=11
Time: h=2 m=48
